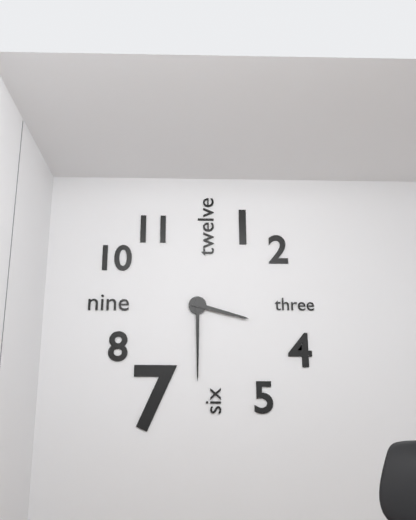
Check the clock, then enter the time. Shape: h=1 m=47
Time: h=3 m=30
